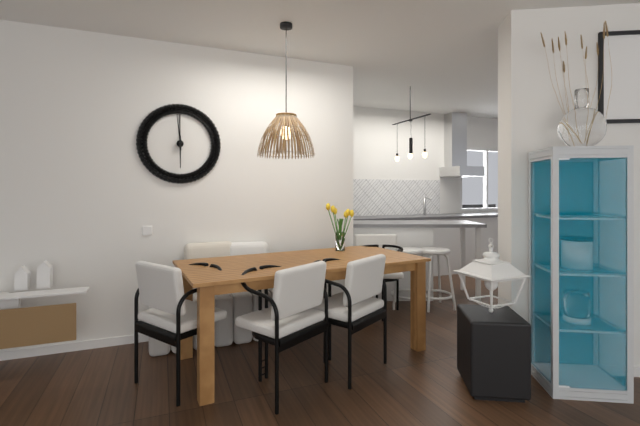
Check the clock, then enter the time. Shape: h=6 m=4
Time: h=5 m=59
